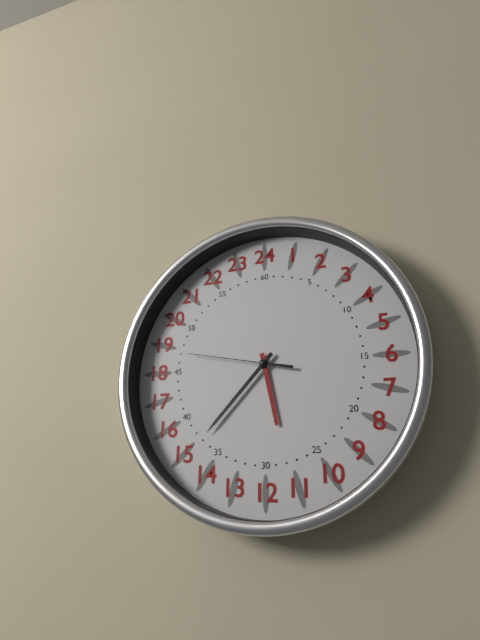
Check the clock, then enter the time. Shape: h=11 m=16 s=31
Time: h=5 m=37 s=47
